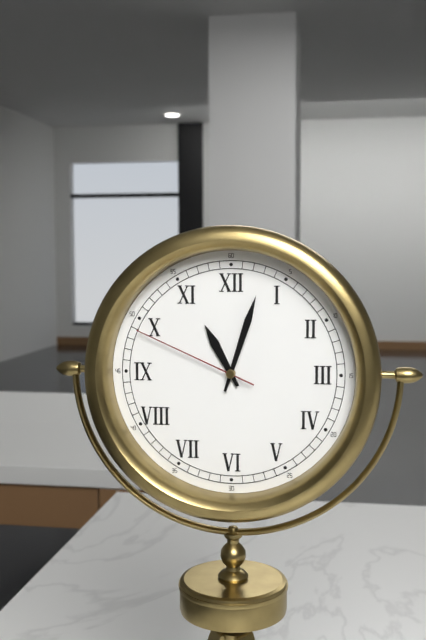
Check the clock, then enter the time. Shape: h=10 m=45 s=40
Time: h=11 m=3 s=49
